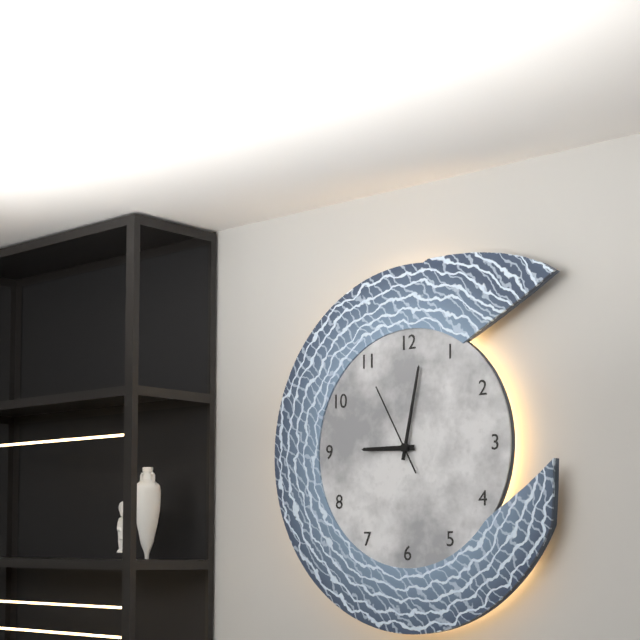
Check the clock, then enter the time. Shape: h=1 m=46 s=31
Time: h=9 m=2 s=55
